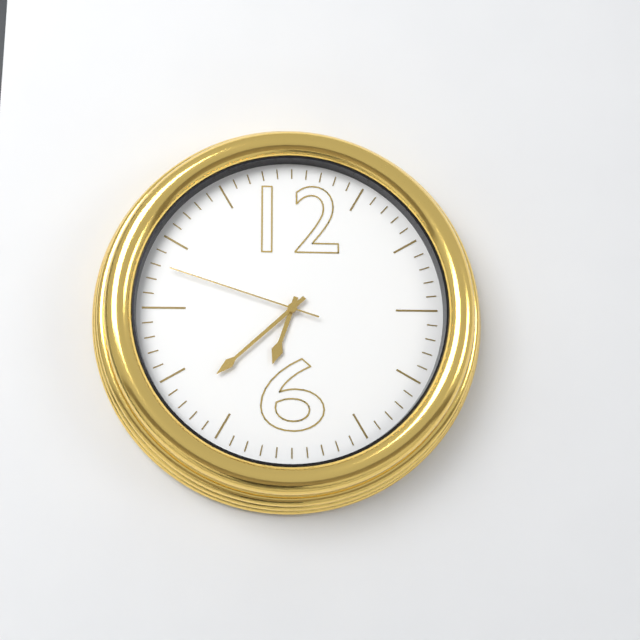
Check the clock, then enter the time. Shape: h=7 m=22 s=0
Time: h=6 m=38 s=48
